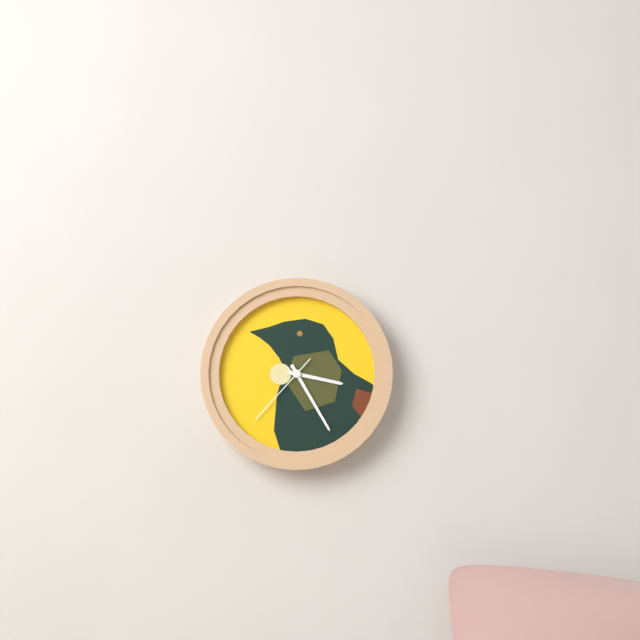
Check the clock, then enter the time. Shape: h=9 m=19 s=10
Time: h=3 m=25 s=37
